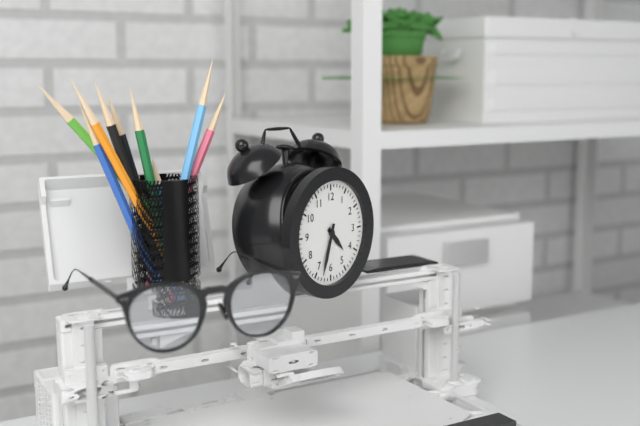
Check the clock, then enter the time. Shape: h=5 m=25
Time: h=4 m=33
